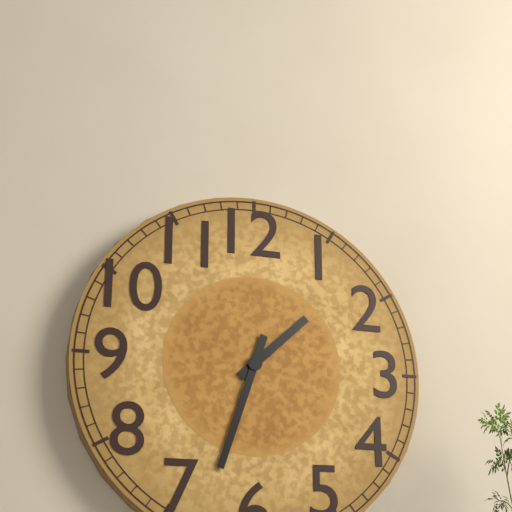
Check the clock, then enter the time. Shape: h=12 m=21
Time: h=1 m=33
